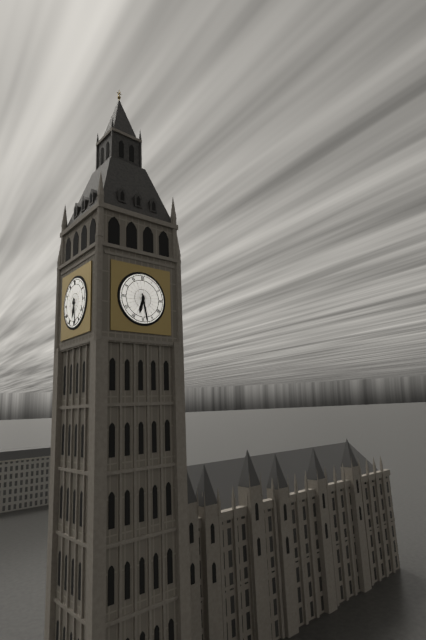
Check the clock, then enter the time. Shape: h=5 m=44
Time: h=6 m=28
